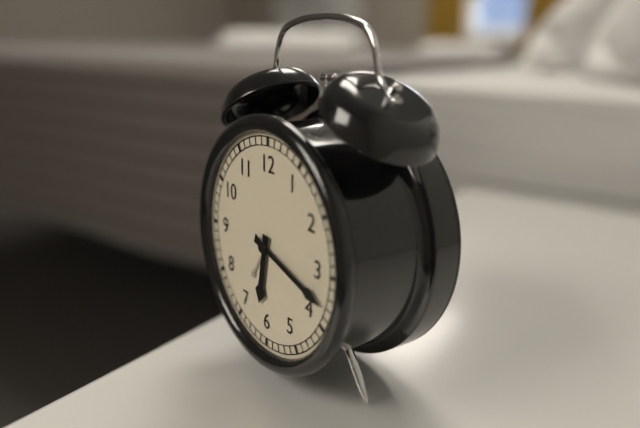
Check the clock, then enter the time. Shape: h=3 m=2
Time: h=6 m=18
